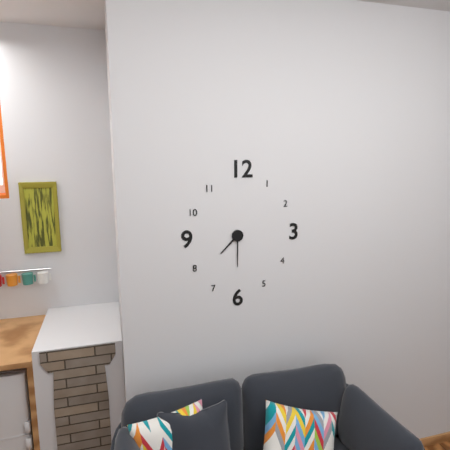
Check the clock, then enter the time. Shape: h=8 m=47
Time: h=7 m=30
